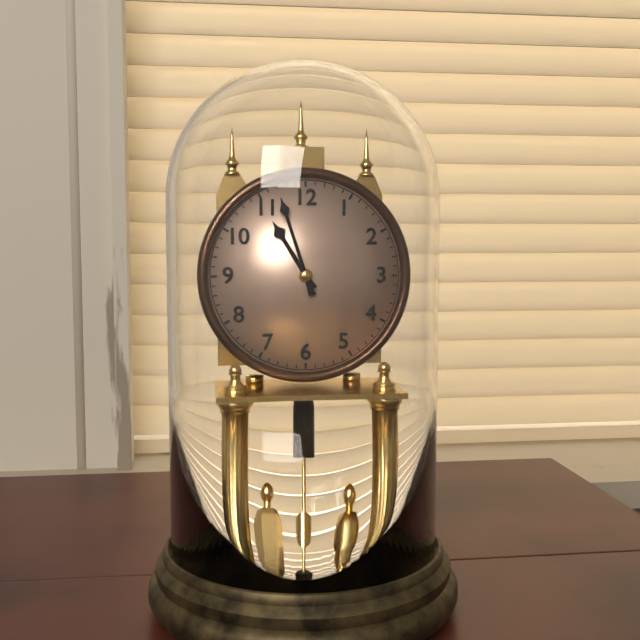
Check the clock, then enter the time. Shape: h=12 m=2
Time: h=10 m=57
